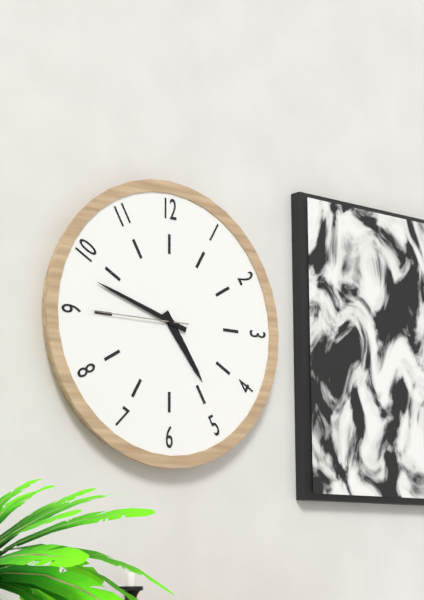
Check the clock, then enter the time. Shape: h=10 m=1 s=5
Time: h=4 m=48 s=45
